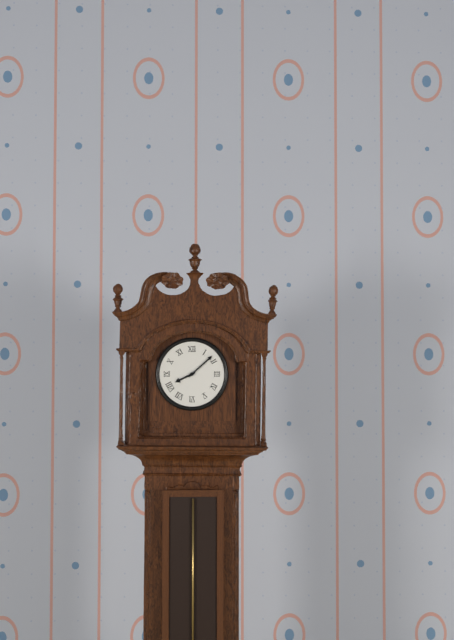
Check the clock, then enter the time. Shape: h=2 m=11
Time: h=8 m=8
